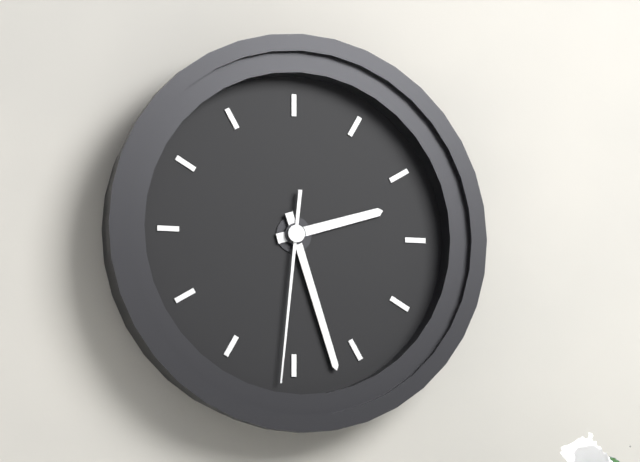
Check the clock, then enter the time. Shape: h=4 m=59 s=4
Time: h=2 m=27 s=31
